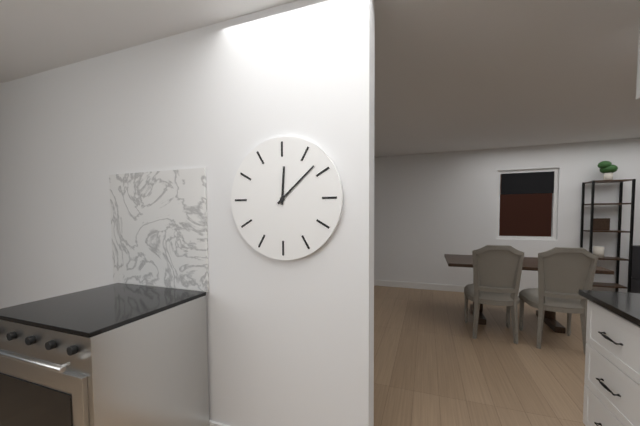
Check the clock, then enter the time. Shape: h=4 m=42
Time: h=12 m=8
